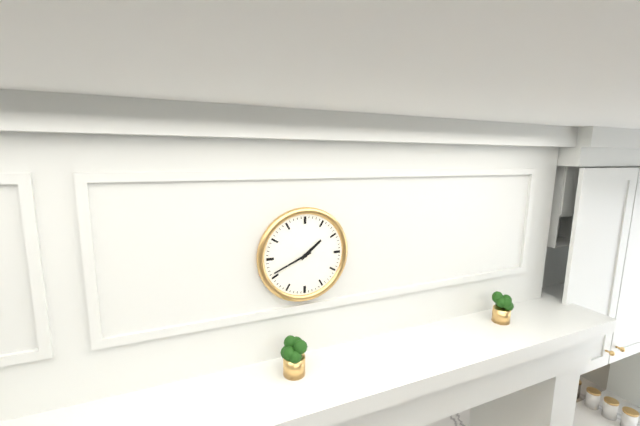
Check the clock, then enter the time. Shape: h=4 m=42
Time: h=1 m=41
